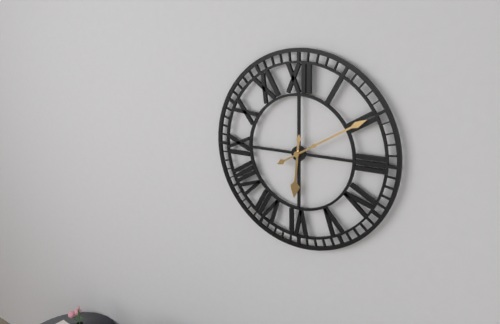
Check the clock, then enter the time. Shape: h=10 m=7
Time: h=6 m=10
